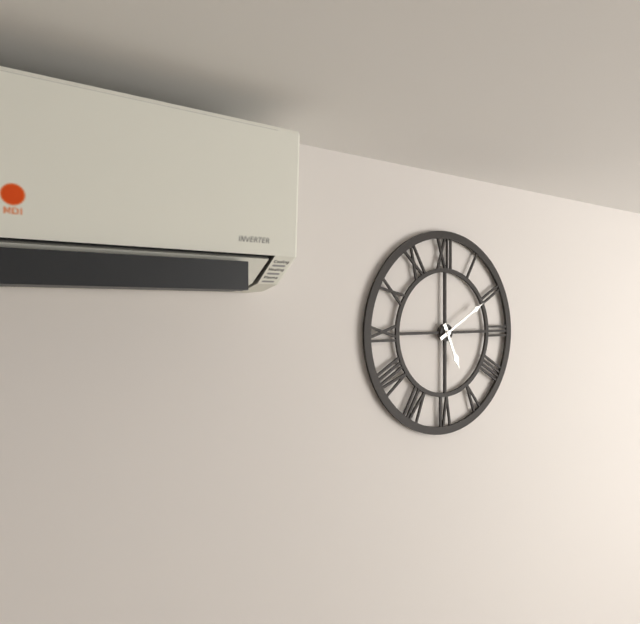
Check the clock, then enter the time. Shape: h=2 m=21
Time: h=5 m=10
